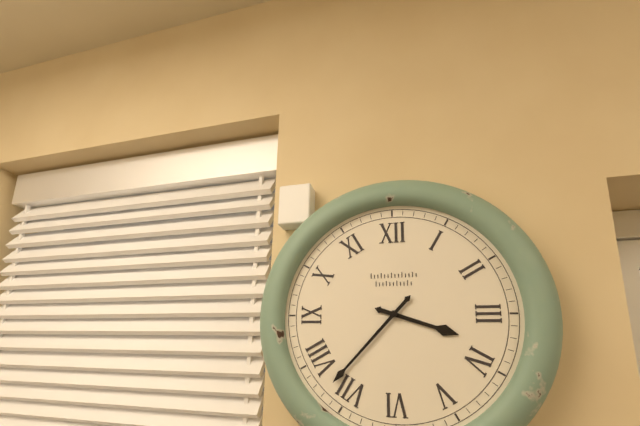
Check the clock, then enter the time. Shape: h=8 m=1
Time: h=3 m=37
